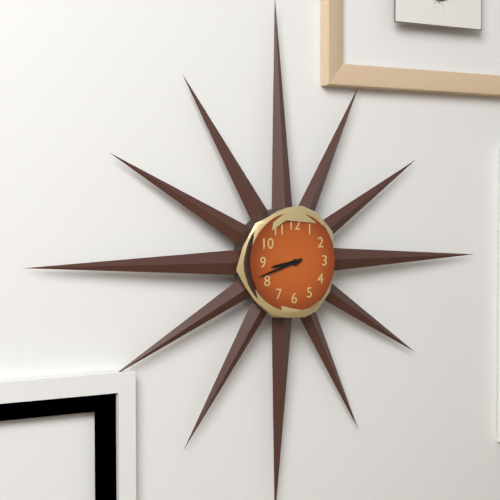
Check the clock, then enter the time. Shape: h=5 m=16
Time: h=8 m=42
